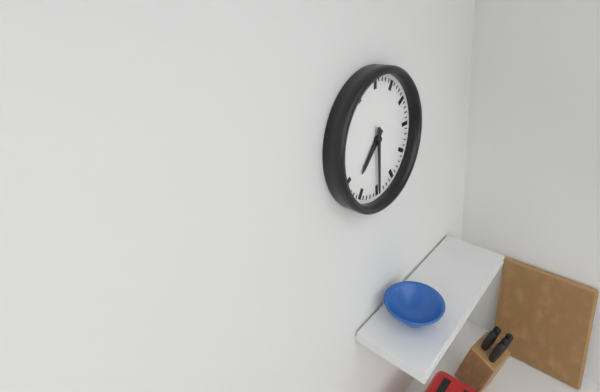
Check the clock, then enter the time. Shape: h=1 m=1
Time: h=7 m=30
